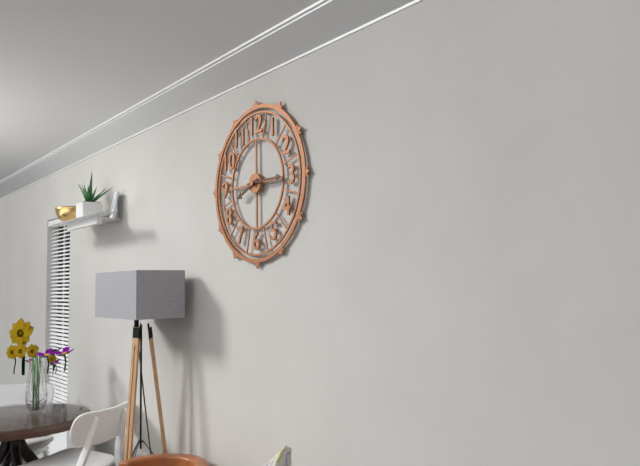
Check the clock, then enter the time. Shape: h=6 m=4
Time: h=8 m=15
